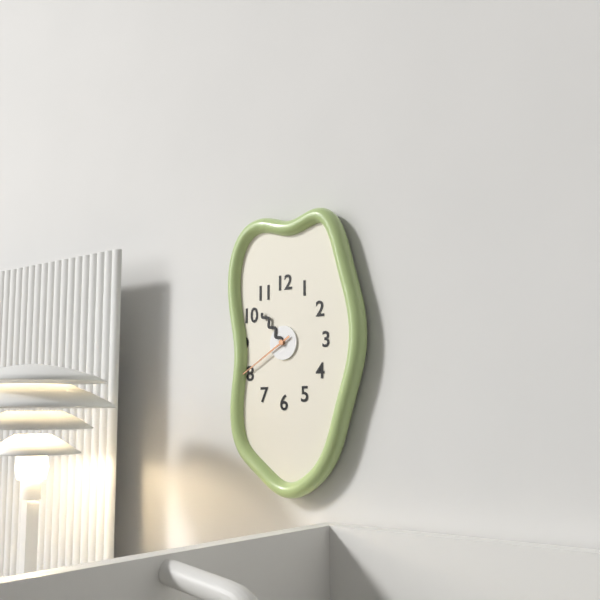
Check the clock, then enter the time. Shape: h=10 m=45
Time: h=10 m=40
